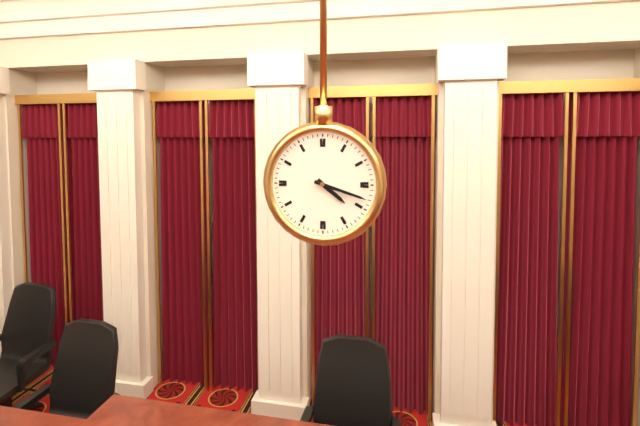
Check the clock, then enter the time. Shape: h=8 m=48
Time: h=4 m=18
